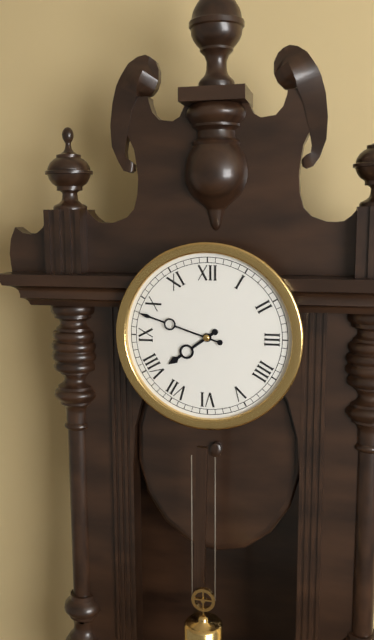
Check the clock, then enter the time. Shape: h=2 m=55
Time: h=7 m=48
